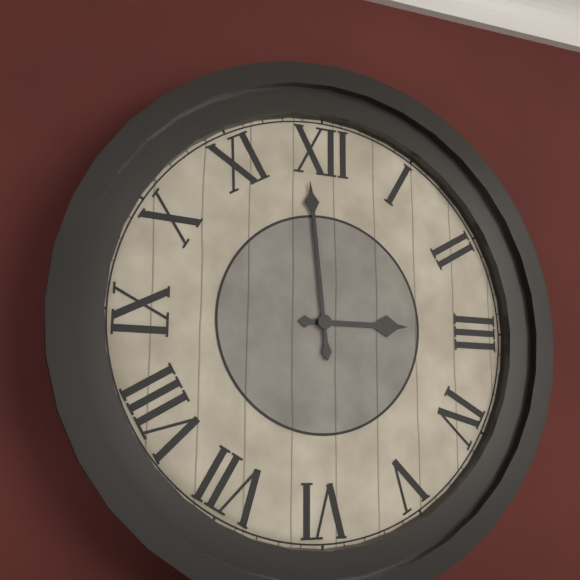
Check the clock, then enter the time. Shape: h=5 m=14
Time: h=2 m=59
